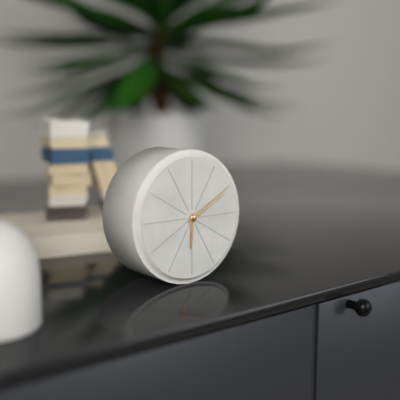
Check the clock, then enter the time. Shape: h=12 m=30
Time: h=6 m=10
